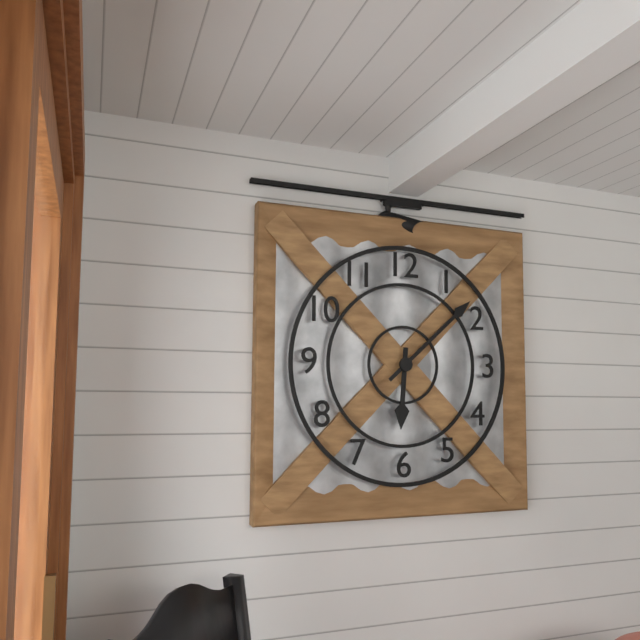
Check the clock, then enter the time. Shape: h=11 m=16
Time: h=6 m=8
